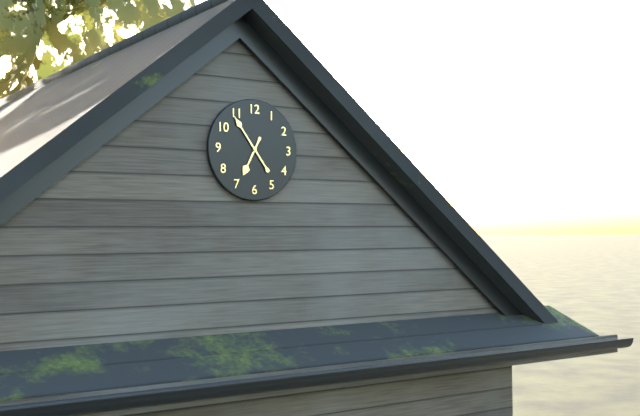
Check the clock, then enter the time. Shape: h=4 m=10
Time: h=6 m=54
